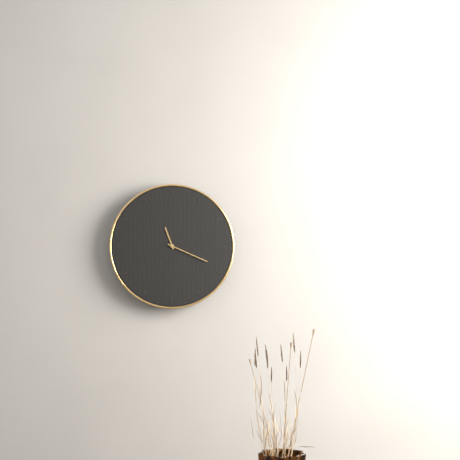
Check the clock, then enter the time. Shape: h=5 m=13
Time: h=11 m=19
